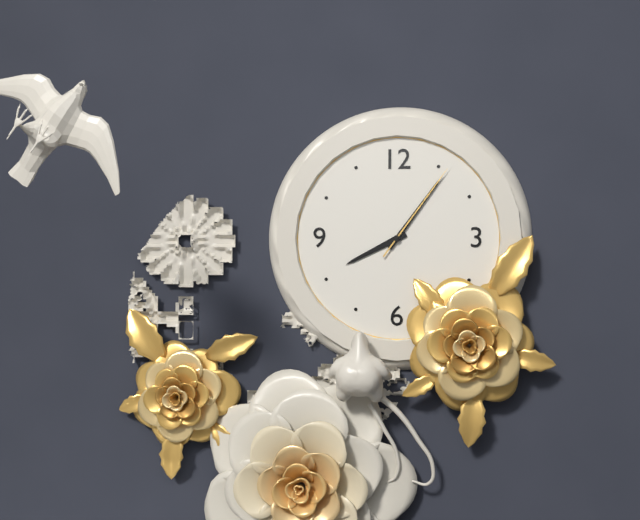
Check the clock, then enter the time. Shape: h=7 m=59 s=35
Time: h=8 m=6 s=6
